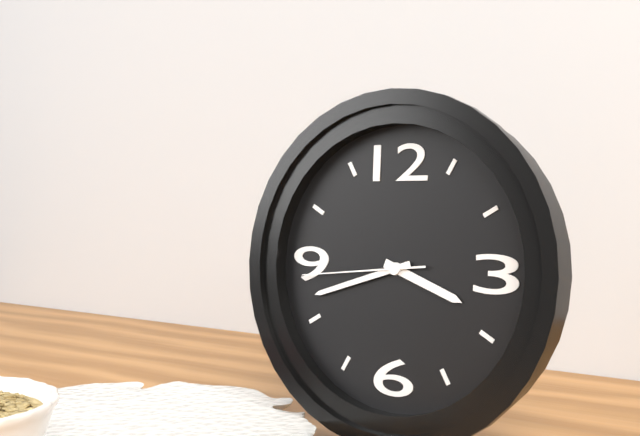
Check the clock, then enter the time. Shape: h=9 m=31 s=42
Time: h=3 m=42 s=44
